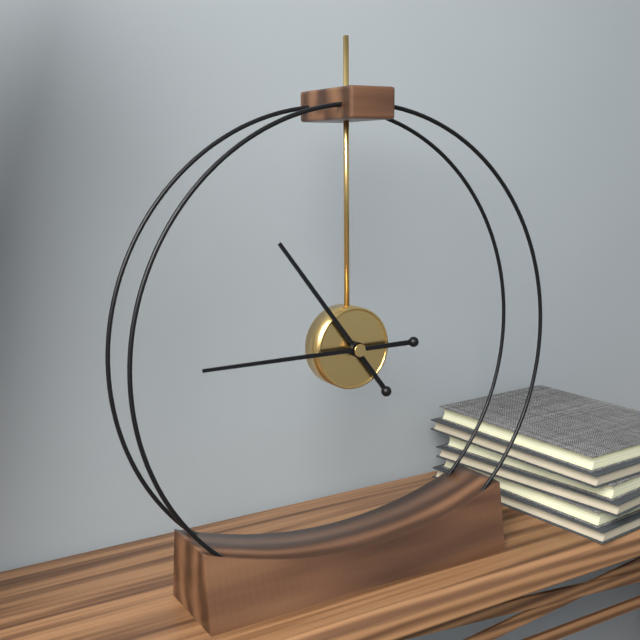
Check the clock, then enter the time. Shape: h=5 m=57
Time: h=10 m=45
